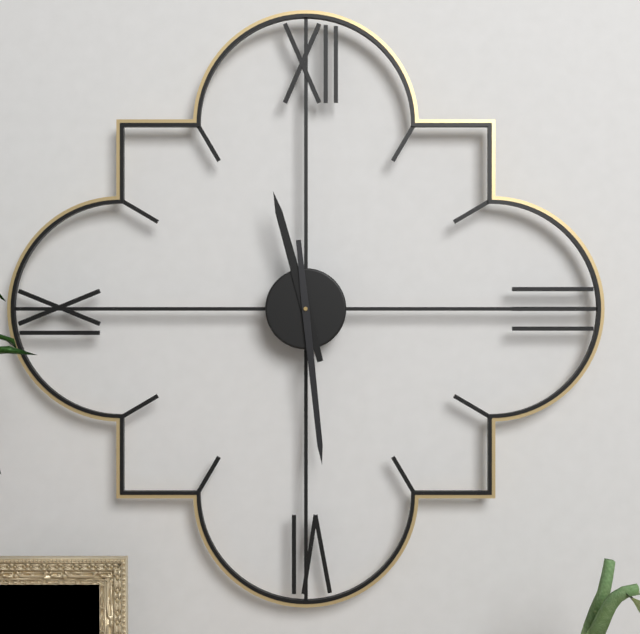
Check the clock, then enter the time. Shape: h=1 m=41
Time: h=11 m=29
